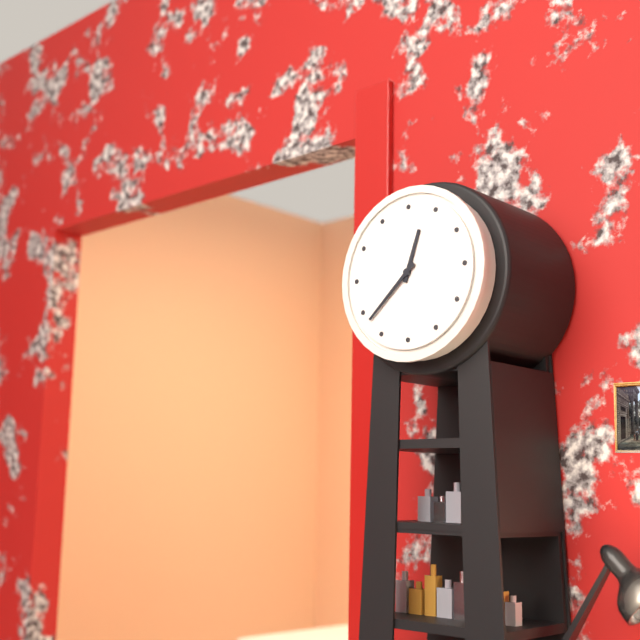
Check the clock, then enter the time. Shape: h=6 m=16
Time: h=12 m=38
